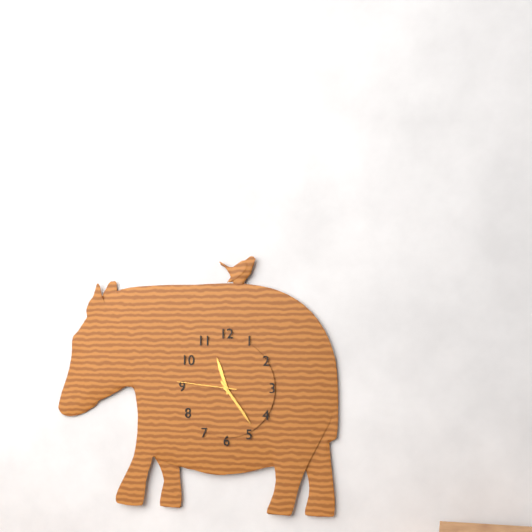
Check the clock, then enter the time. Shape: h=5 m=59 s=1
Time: h=11 m=24 s=46
